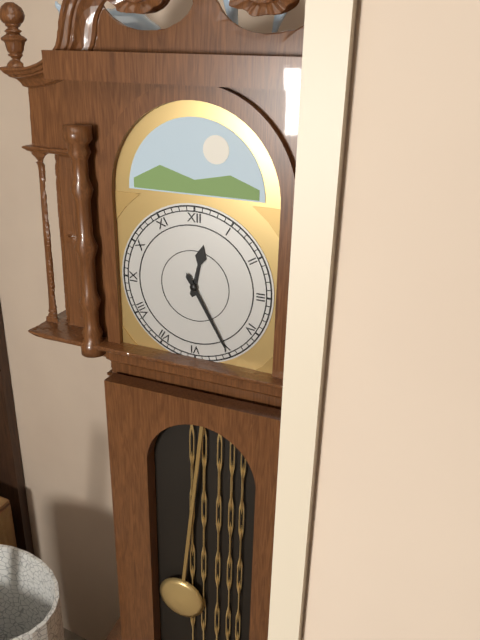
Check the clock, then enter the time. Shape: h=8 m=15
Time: h=12 m=25
